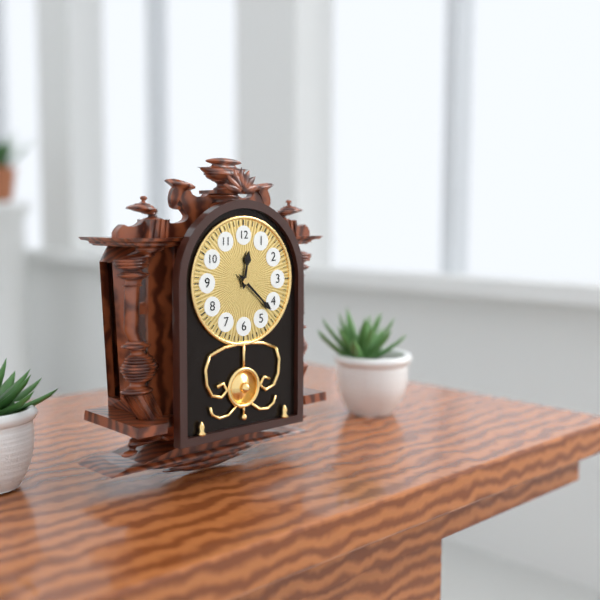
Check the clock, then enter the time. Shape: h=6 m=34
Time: h=12 m=22
